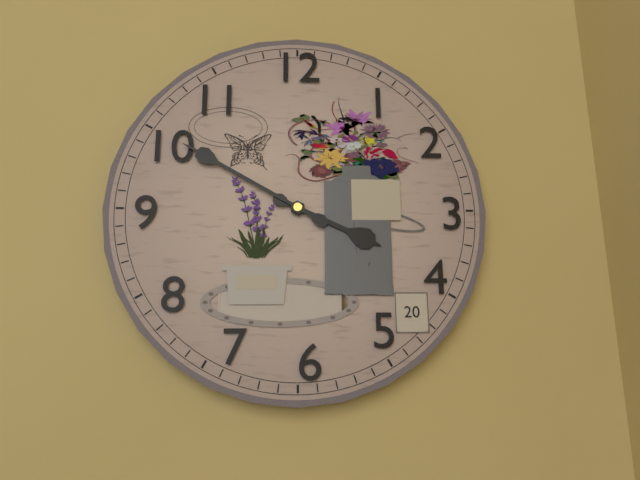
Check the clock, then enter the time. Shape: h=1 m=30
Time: h=3 m=50
